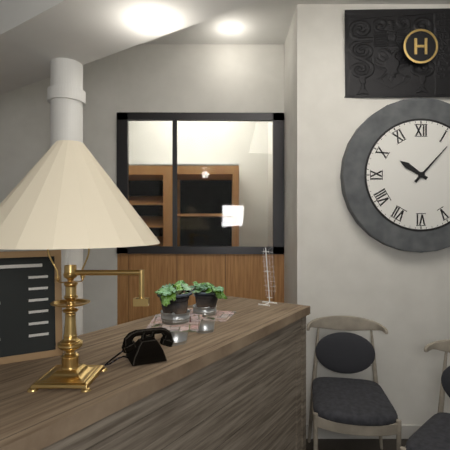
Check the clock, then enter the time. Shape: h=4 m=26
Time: h=10 m=7
